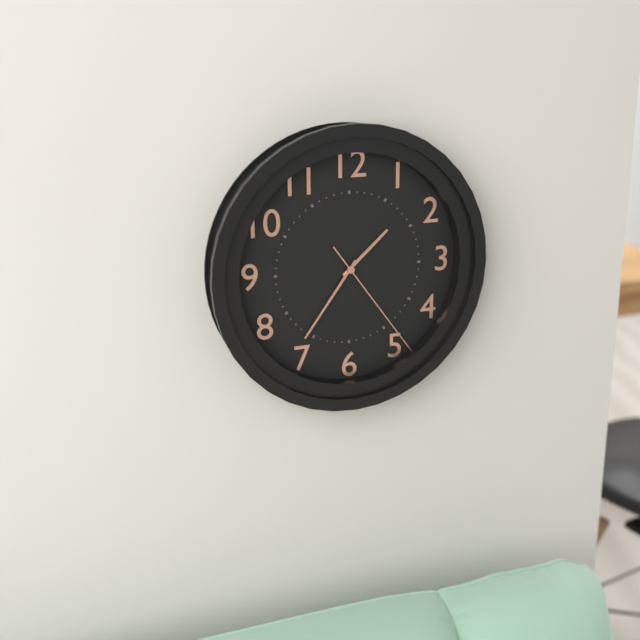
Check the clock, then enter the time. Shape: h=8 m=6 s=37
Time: h=1 m=36 s=24
